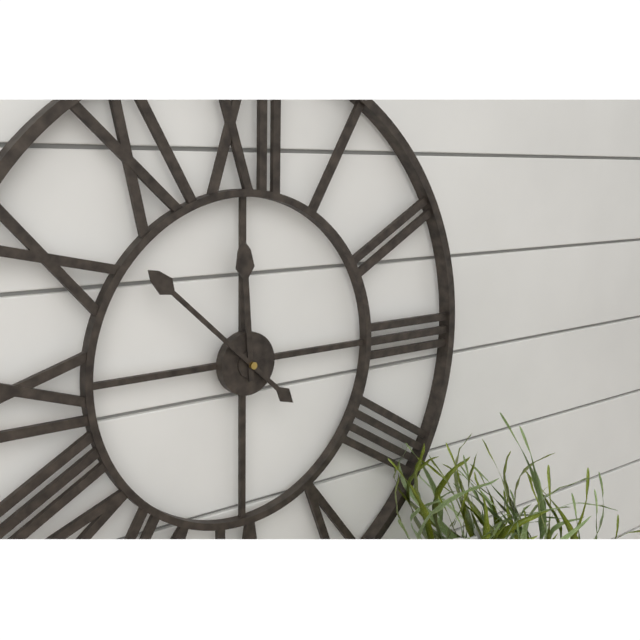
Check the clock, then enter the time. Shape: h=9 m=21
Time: h=11 m=52
